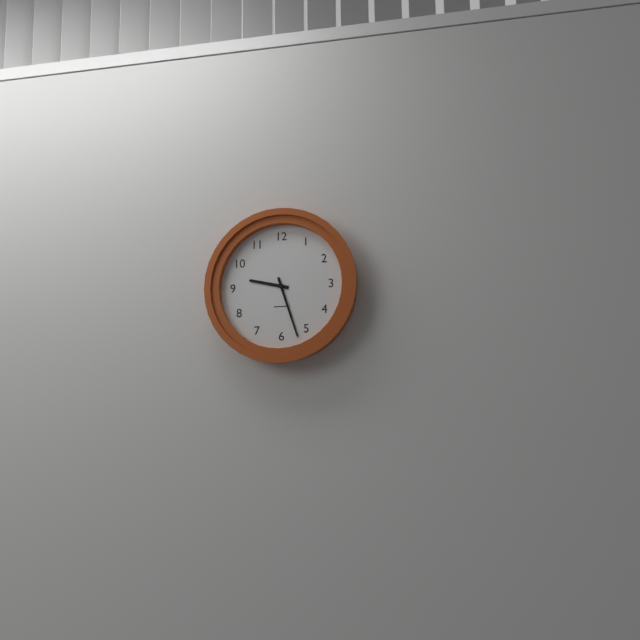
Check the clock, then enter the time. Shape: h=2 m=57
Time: h=9 m=27
